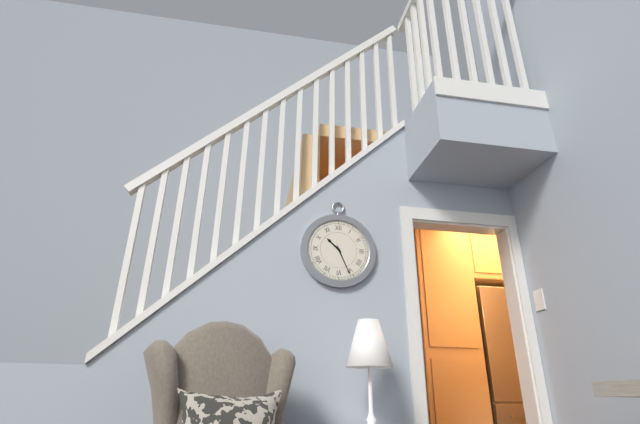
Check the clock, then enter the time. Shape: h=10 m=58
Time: h=10 m=26
